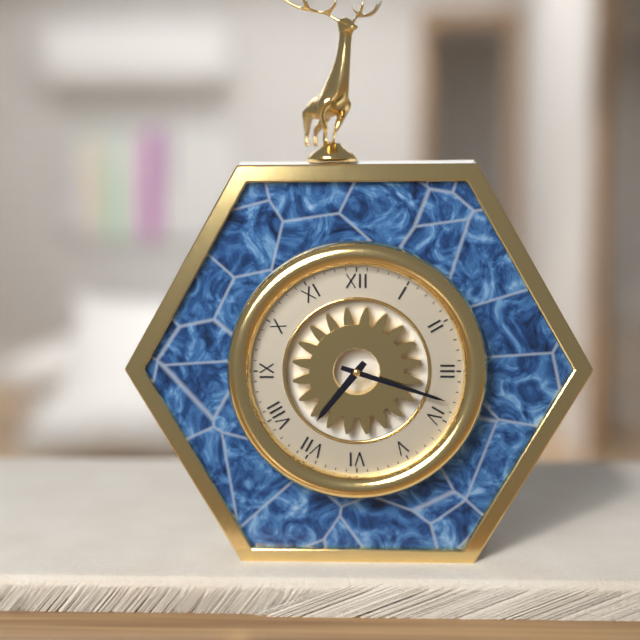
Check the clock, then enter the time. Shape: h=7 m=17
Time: h=7 m=18
